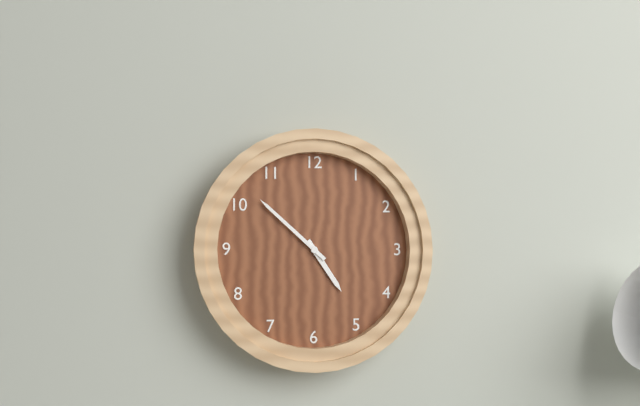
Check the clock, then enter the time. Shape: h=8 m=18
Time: h=4 m=52
